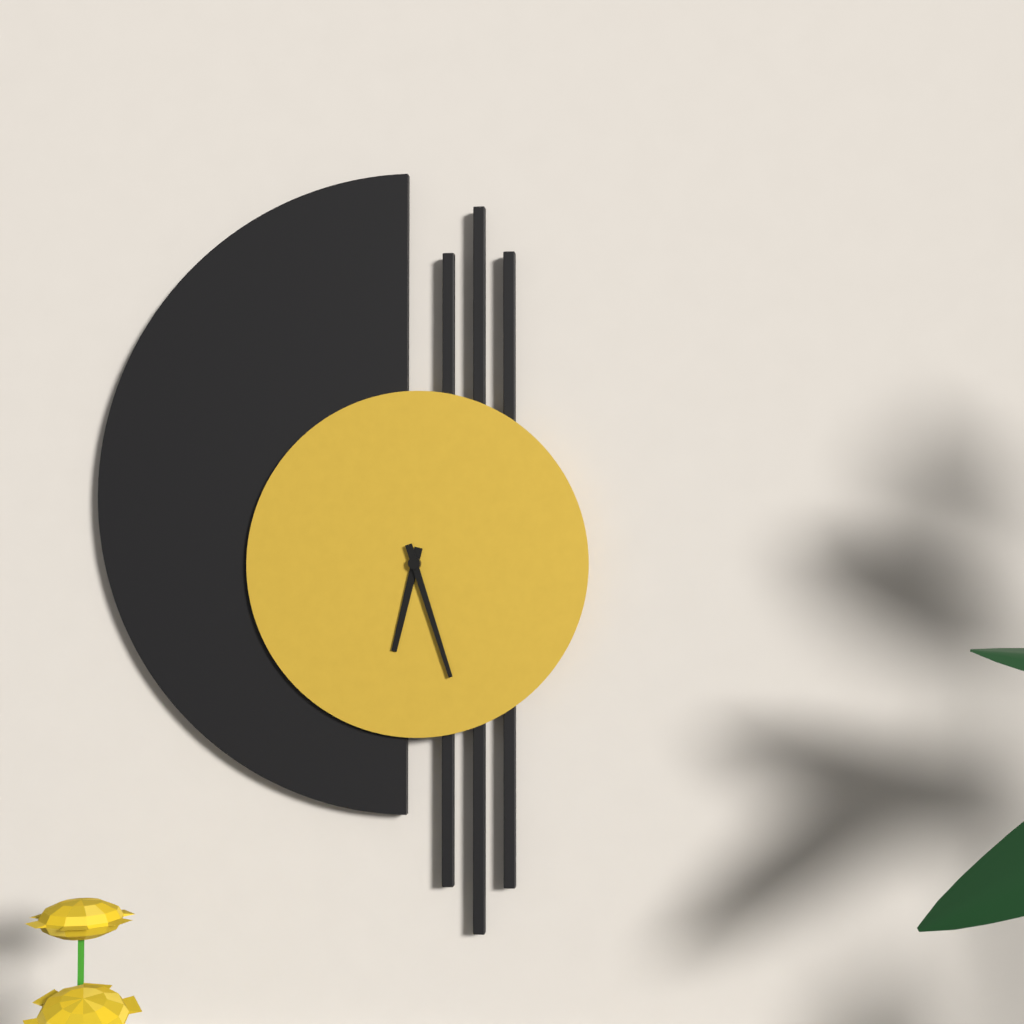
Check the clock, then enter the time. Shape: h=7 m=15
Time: h=6 m=27
